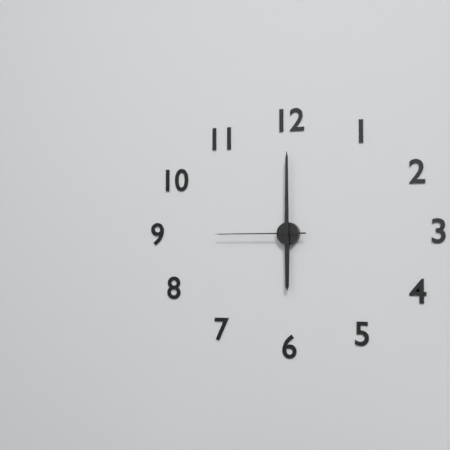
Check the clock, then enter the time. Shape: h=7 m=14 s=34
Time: h=6 m=0 s=45
